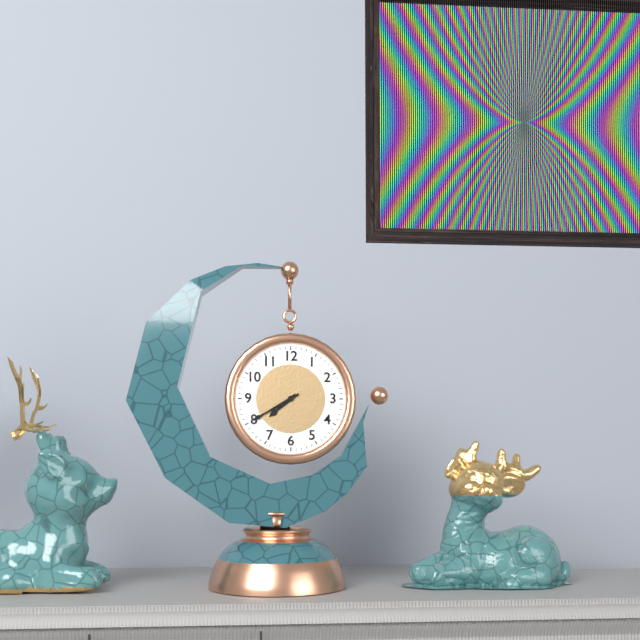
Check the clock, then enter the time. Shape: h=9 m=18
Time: h=7 m=40
